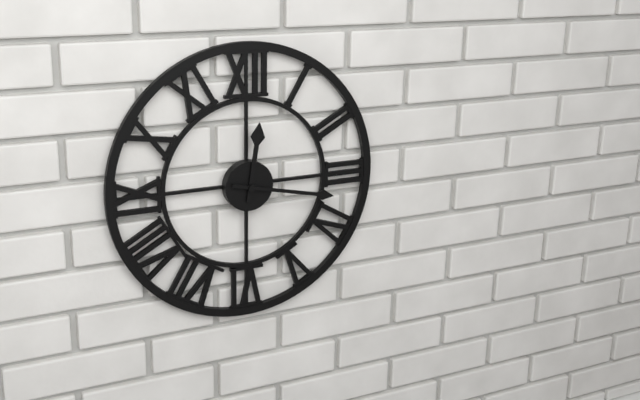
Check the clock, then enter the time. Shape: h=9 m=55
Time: h=12 m=17
